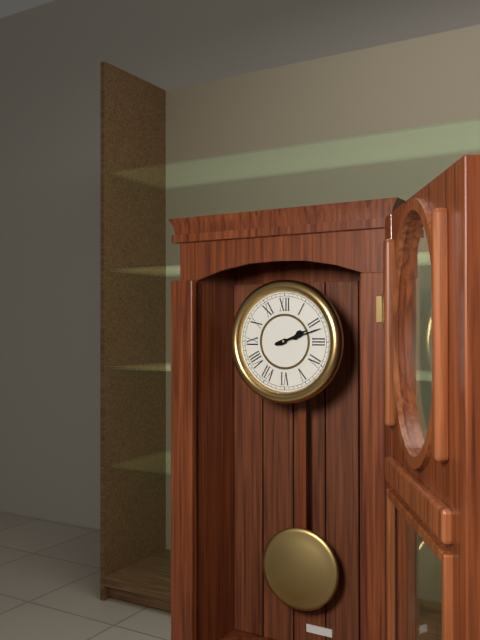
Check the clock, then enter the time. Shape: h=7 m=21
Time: h=2 m=12
